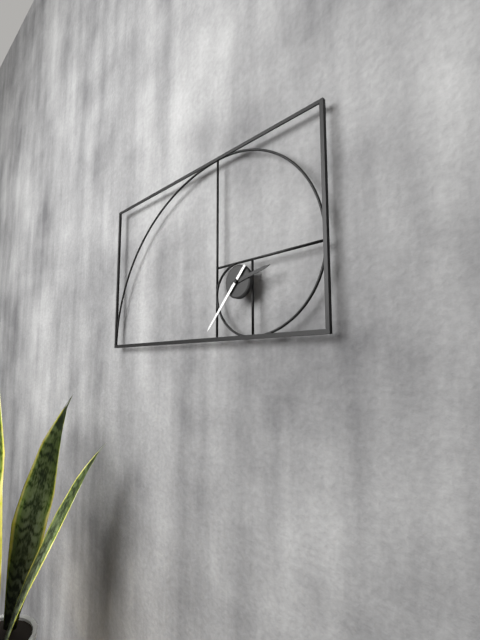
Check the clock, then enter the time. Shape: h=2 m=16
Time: h=2 m=37
